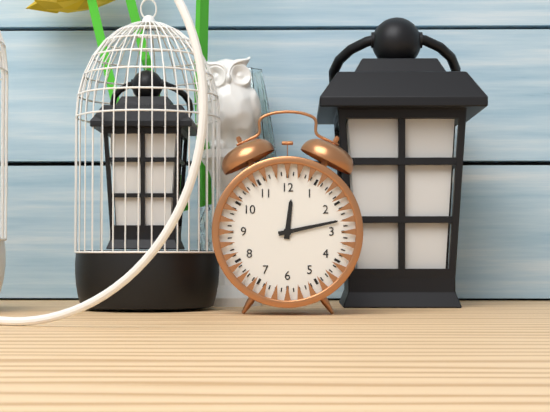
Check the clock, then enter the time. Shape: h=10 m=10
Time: h=12 m=13
